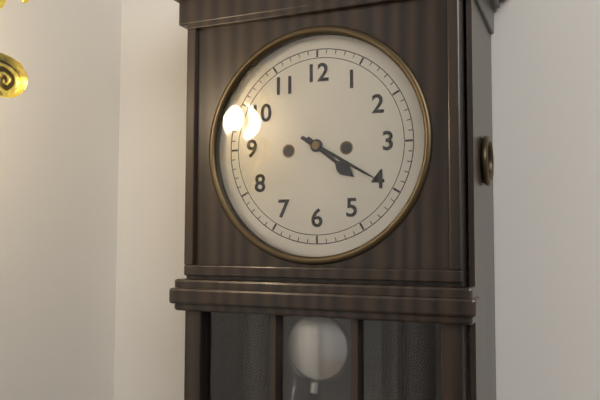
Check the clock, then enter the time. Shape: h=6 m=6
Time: h=4 m=20
